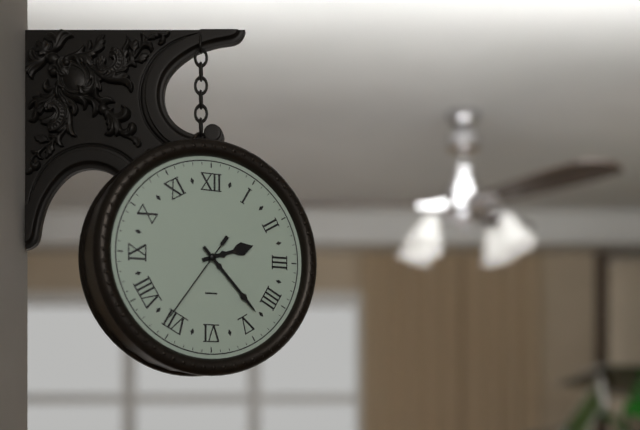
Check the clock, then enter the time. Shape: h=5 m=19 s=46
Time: h=2 m=23 s=36
